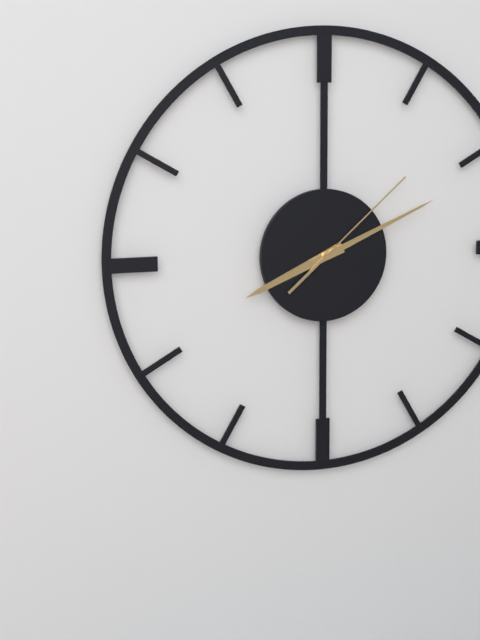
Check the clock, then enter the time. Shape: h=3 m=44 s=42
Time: h=8 m=11 s=8
